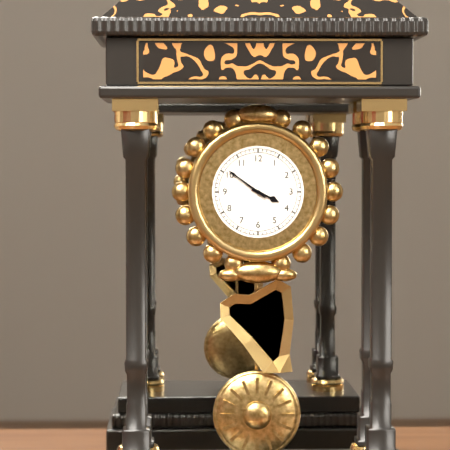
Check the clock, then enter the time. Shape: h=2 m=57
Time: h=3 m=51
